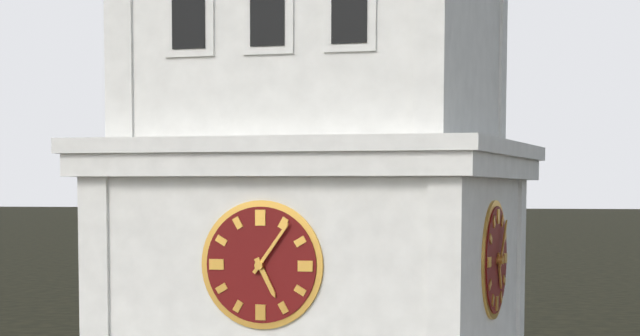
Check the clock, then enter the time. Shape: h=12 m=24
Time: h=5 m=6
